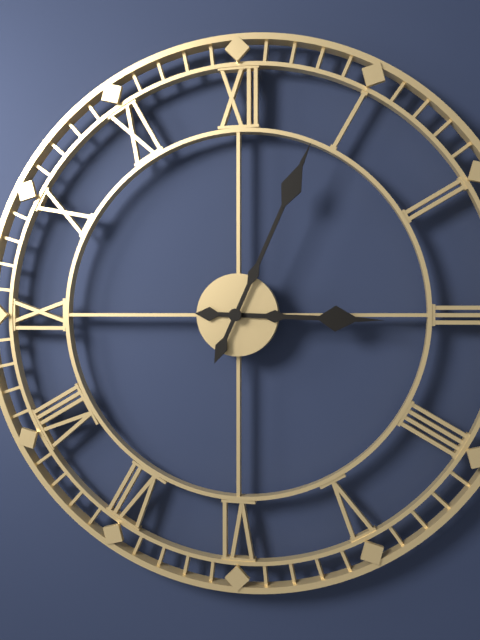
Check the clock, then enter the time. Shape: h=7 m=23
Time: h=3 m=4
